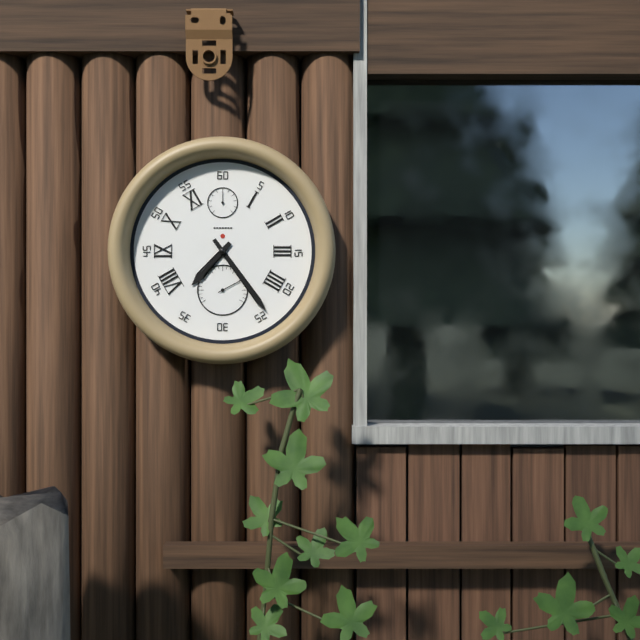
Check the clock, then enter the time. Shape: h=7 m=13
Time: h=7 m=24
